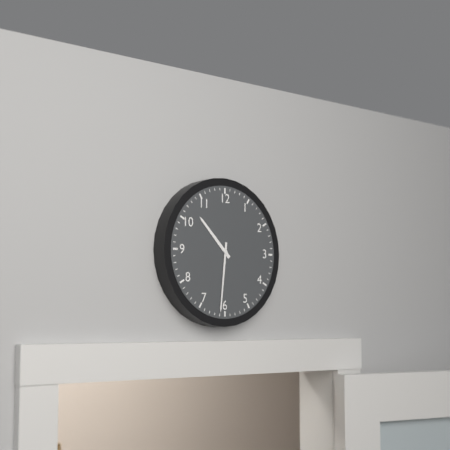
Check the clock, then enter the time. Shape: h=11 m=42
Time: h=10 m=31
